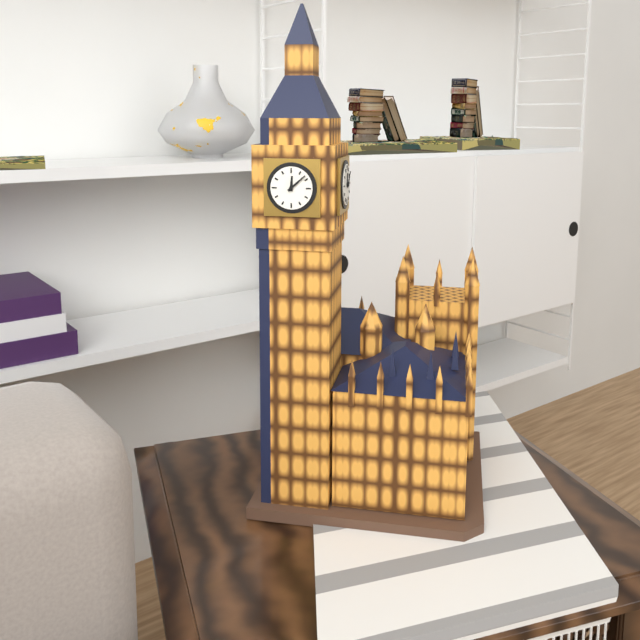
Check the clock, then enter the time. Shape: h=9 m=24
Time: h=12 m=8
